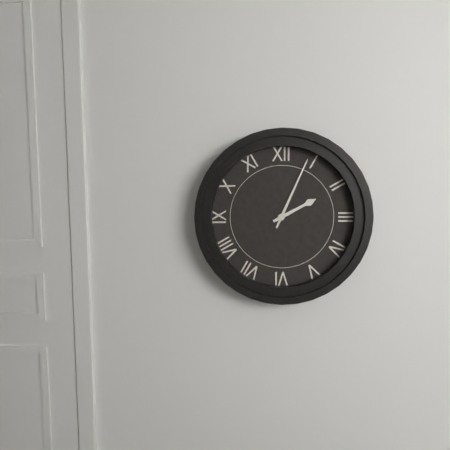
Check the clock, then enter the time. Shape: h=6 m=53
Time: h=2 m=4
